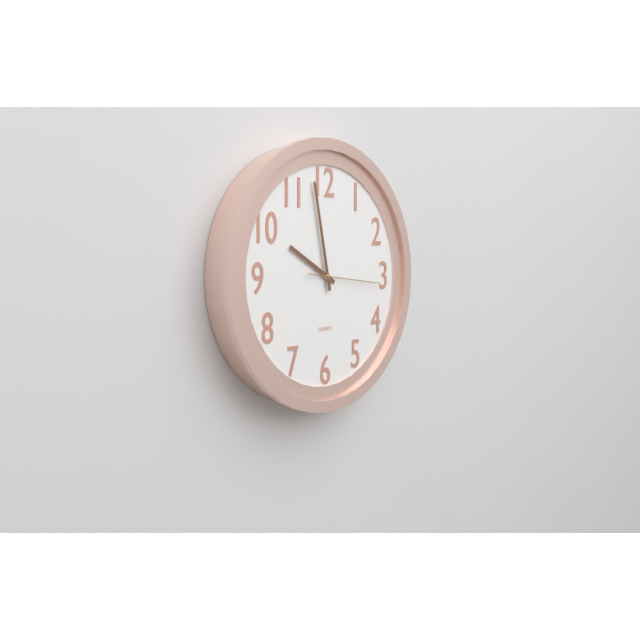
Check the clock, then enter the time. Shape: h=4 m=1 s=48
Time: h=9 m=58 s=16
